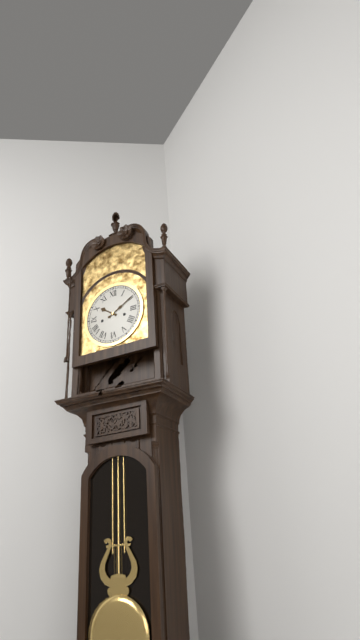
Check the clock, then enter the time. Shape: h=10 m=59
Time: h=10 m=10
